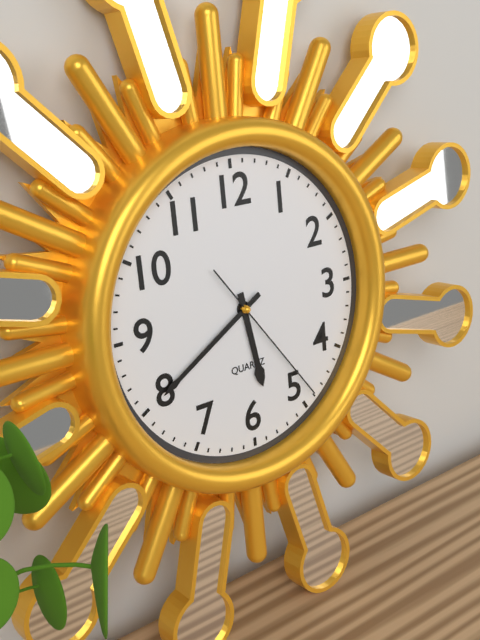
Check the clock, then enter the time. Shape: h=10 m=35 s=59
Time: h=5 m=40 s=24
